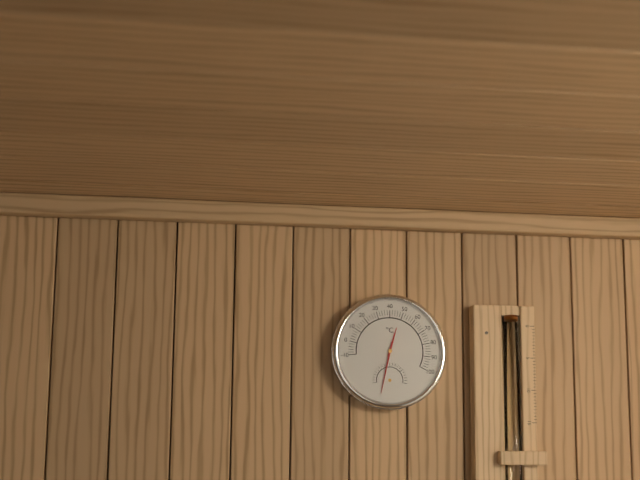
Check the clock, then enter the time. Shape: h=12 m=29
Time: h=12 m=32
